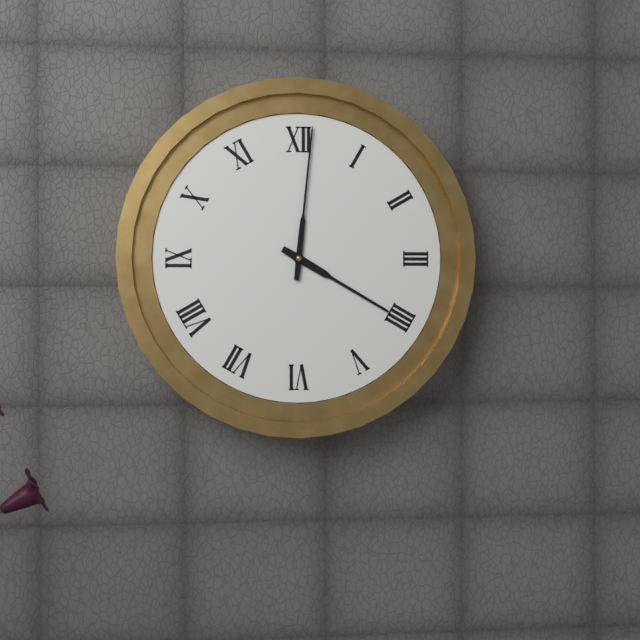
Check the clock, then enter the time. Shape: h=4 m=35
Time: h=4 m=1
